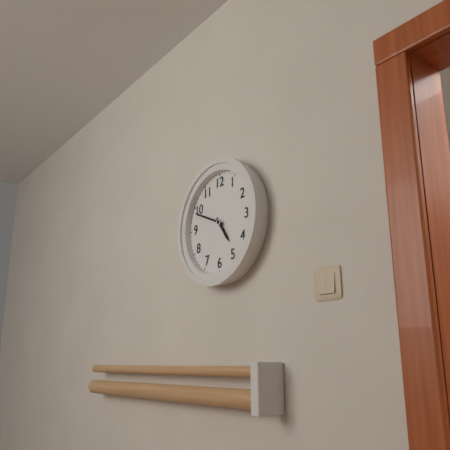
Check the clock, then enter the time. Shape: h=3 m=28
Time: h=4 m=49
